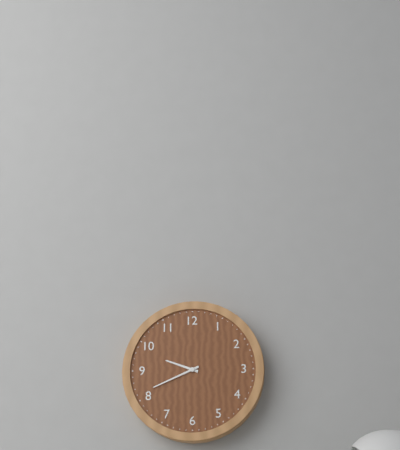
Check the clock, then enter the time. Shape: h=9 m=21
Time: h=9 m=41
